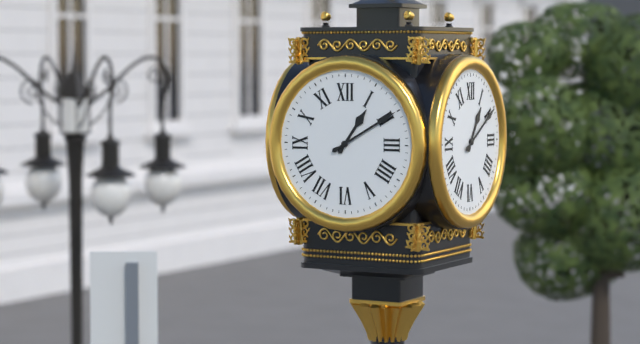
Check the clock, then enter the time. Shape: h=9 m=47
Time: h=1 m=10
